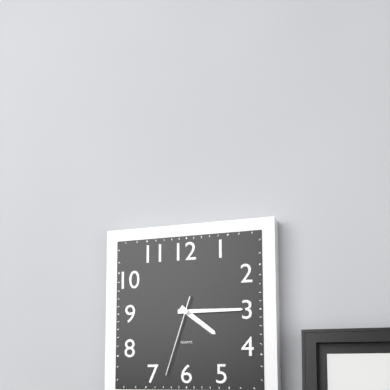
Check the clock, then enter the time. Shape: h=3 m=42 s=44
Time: h=4 m=15 s=33
